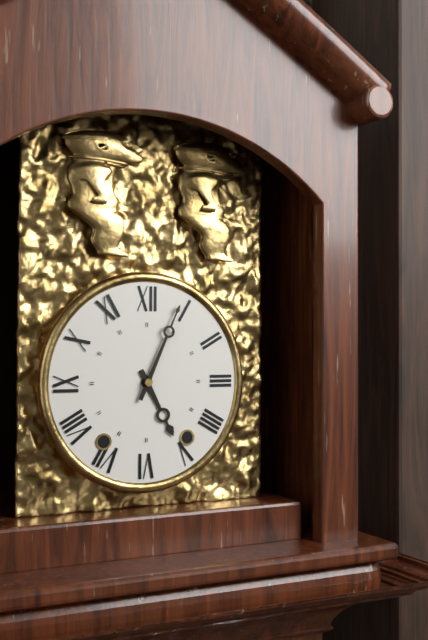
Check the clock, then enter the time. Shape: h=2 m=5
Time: h=5 m=4
